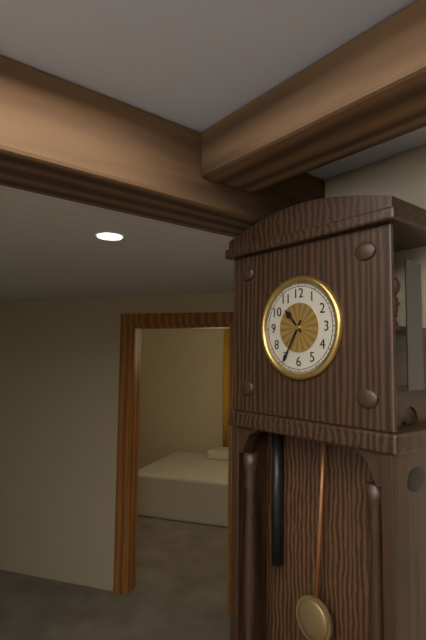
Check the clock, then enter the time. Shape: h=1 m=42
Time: h=10 m=35
